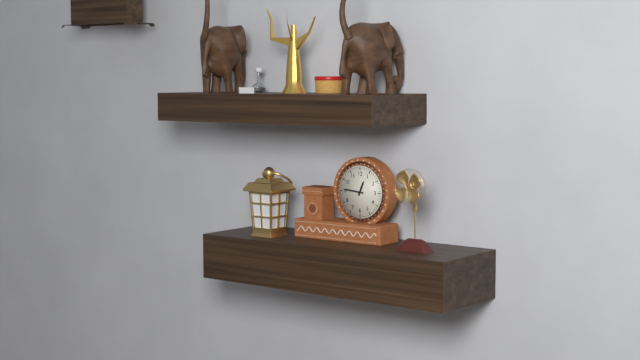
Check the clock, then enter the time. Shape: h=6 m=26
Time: h=12 m=46
